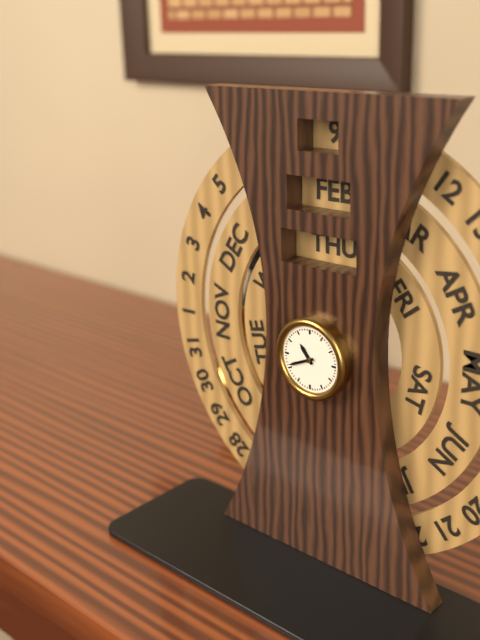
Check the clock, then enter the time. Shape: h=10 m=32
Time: h=10 m=41
